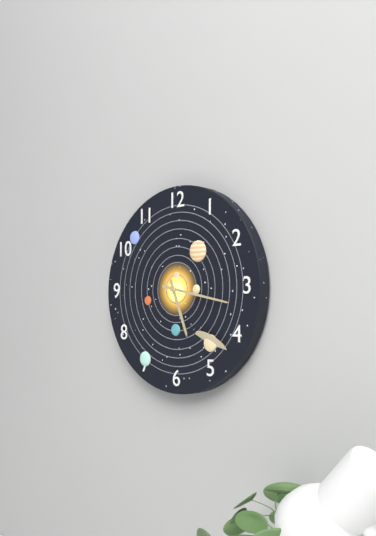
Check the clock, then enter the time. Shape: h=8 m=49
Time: h=5 m=17
